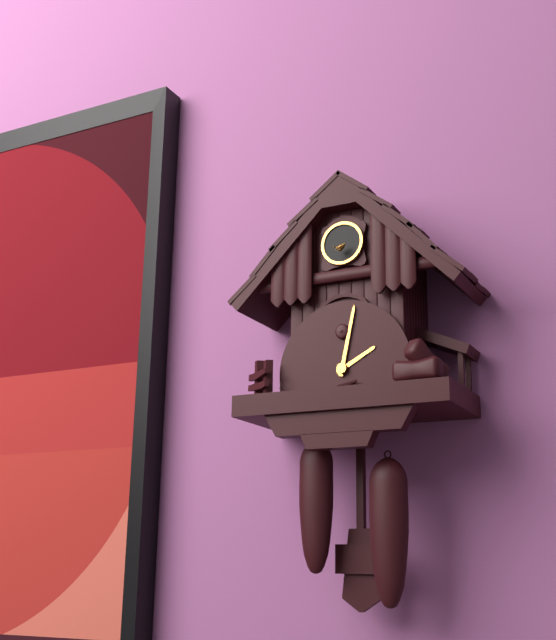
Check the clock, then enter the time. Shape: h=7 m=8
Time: h=2 m=2
